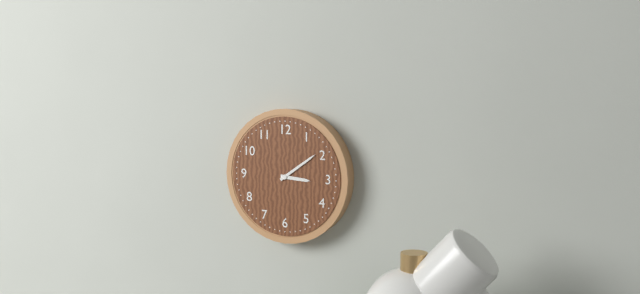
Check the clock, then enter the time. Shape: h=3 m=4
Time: h=3 m=9
